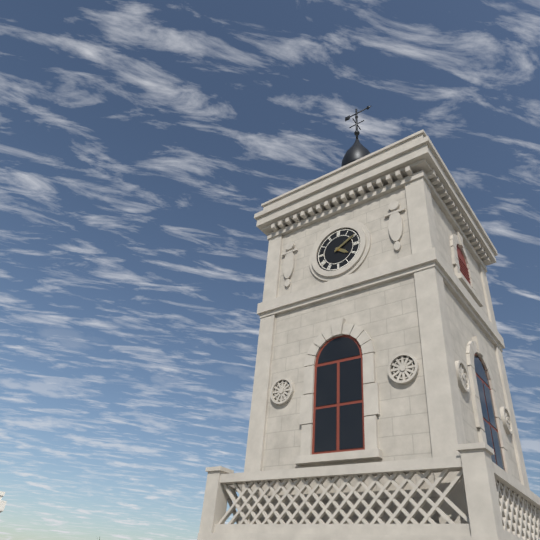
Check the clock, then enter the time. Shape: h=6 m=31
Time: h=4 m=10
